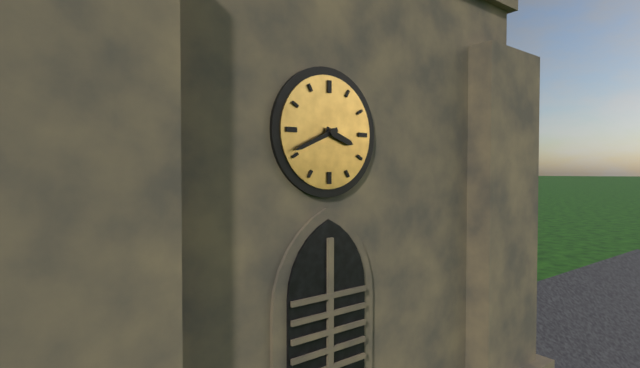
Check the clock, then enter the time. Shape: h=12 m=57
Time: h=3 m=41
